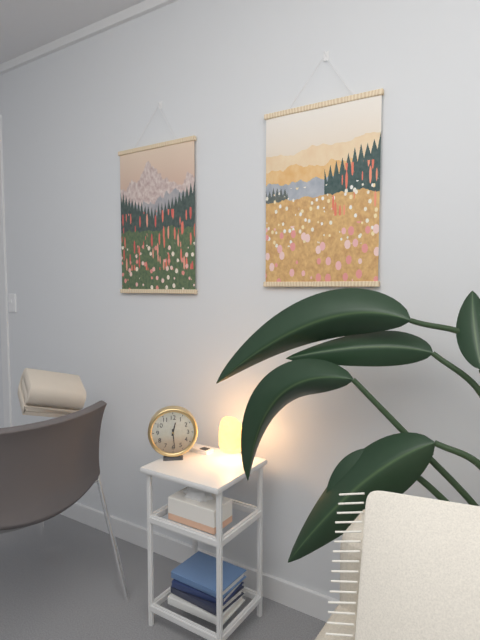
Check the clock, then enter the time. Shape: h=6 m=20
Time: h=12 m=29
